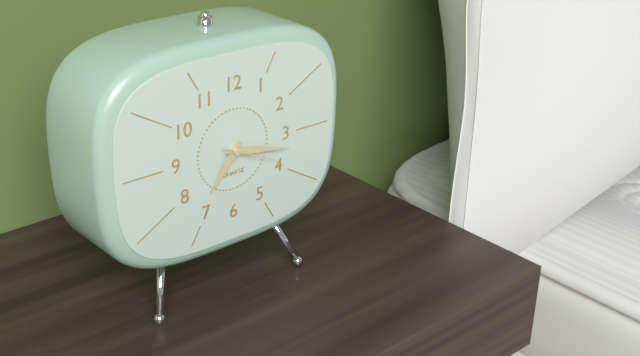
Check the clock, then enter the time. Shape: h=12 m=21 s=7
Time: h=7 m=17 s=19
